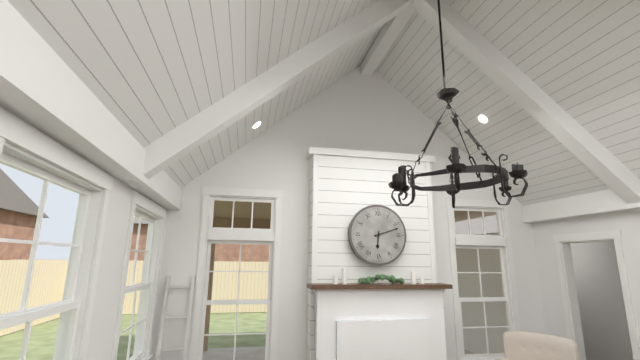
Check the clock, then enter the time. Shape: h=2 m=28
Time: h=6 m=12
